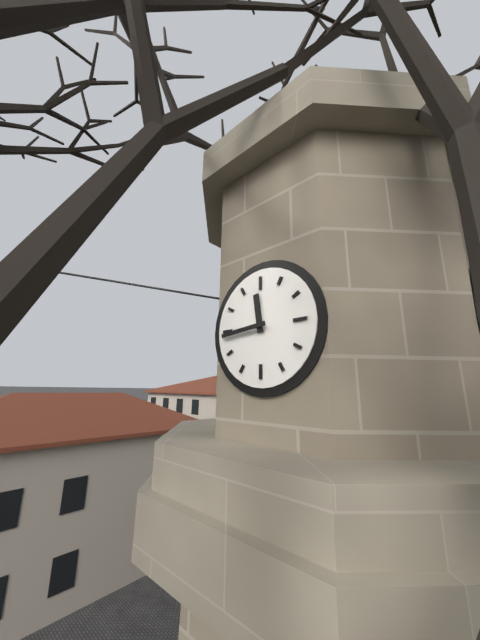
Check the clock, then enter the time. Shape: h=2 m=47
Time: h=11 m=44
